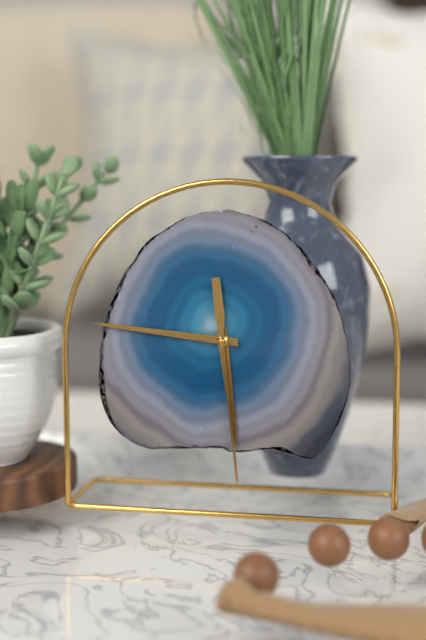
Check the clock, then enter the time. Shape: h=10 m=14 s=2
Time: h=5 m=46 s=29
